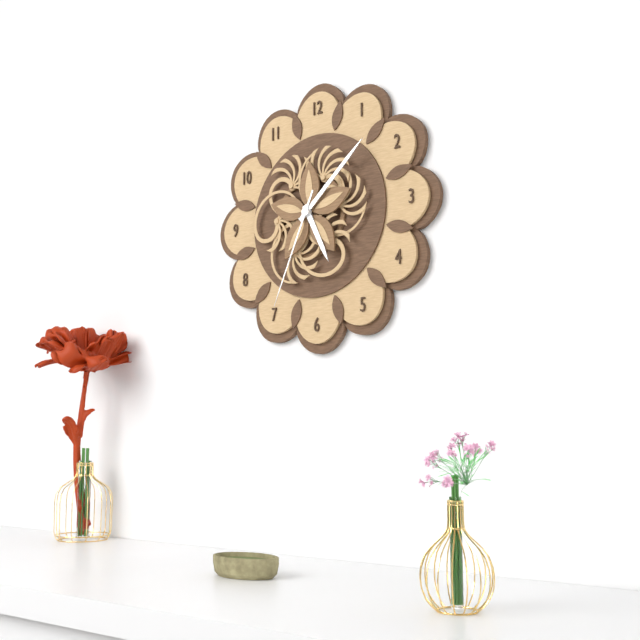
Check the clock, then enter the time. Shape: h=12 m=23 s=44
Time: h=5 m=8 s=34
